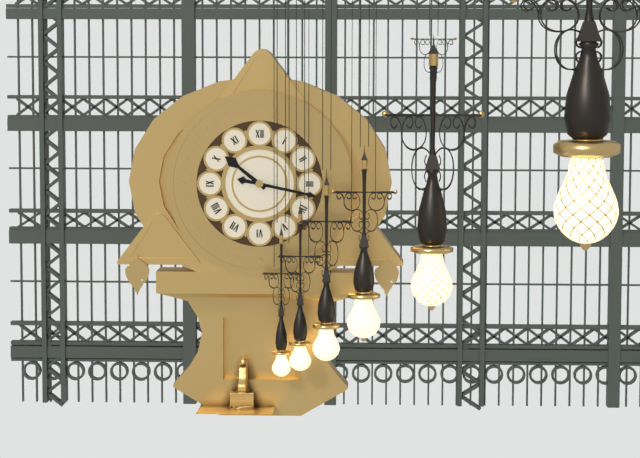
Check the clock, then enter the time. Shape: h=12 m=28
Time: h=10 m=17
